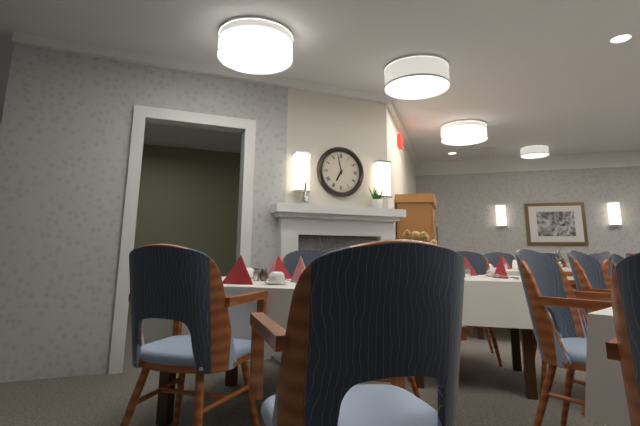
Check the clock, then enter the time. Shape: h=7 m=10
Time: h=6 m=58
